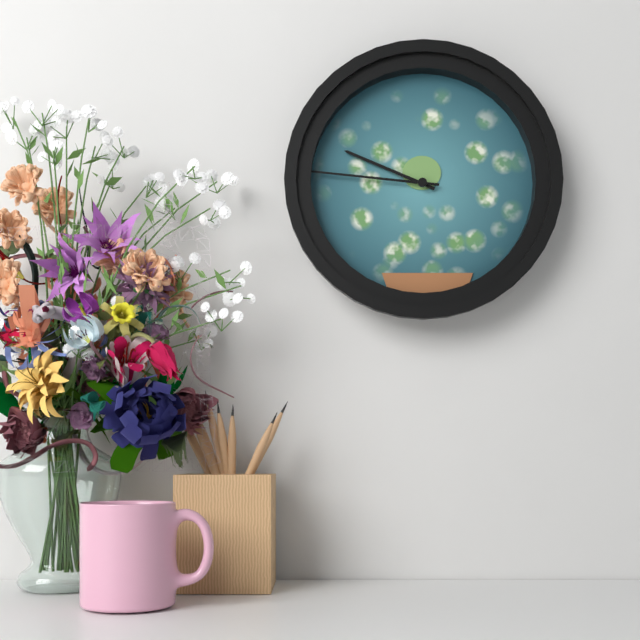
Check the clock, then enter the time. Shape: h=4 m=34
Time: h=9 m=46
